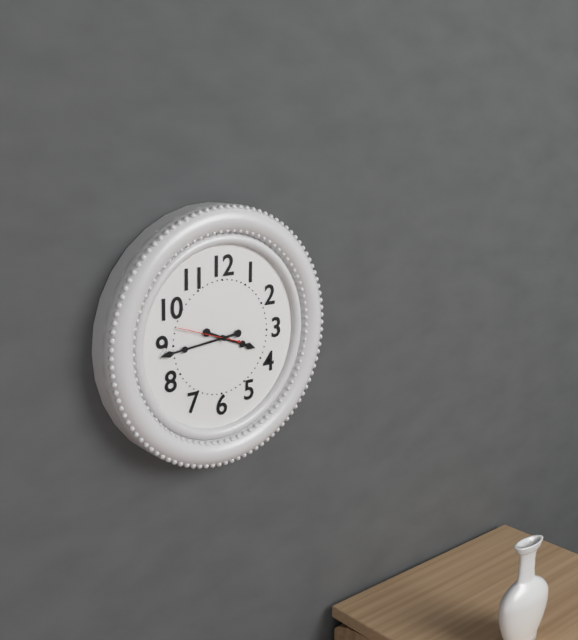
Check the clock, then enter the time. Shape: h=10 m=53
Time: h=3 m=44
